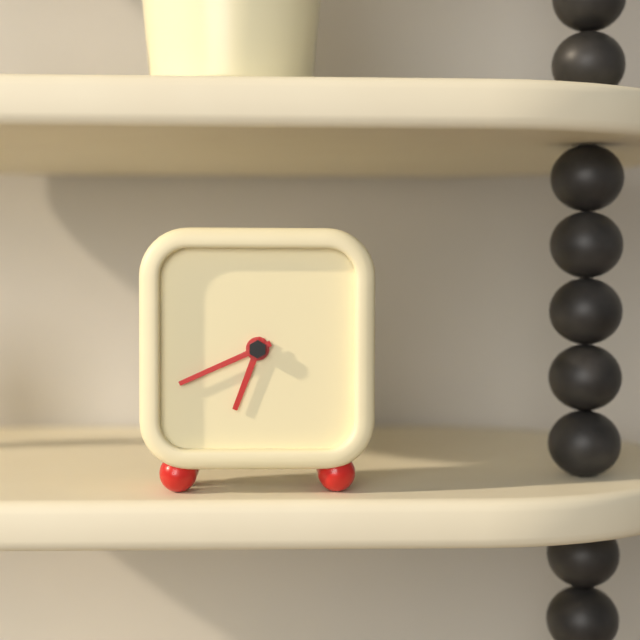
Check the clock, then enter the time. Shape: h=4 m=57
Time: h=6 m=41
